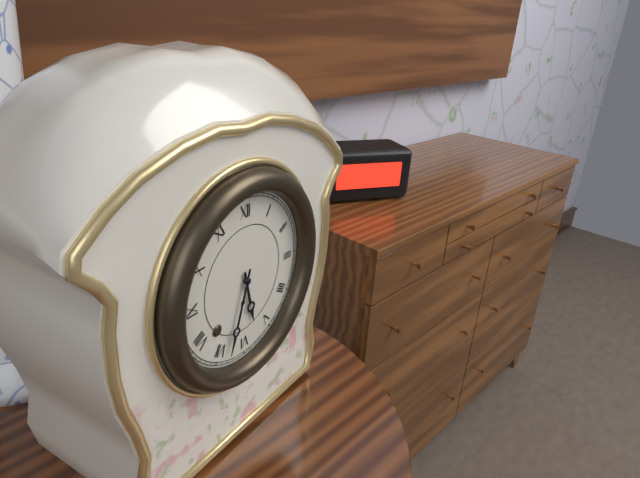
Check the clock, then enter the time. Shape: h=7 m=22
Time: h=5 m=33
